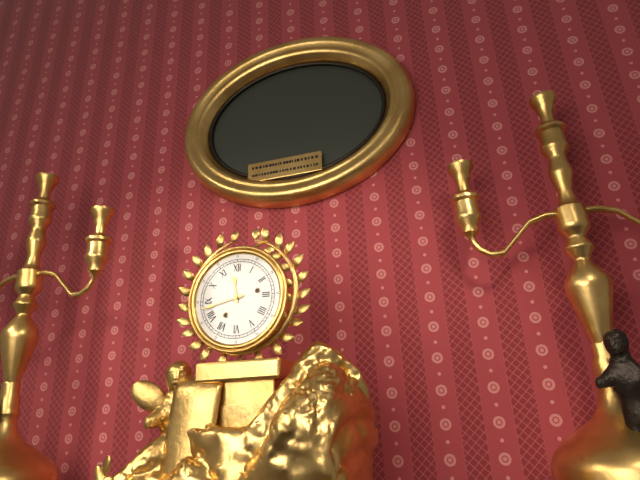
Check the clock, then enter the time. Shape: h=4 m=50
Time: h=11 m=43
